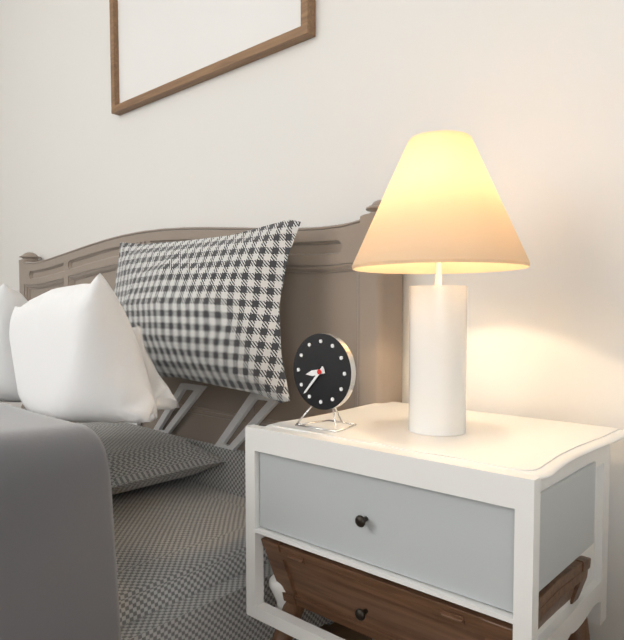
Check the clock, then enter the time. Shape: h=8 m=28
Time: h=8 m=37
